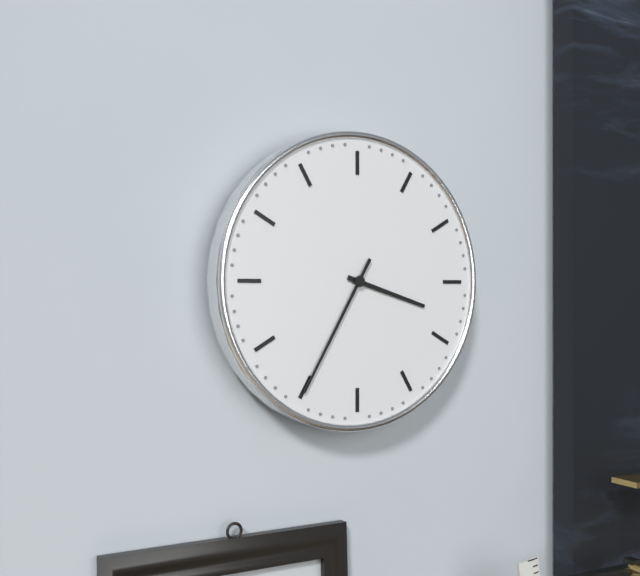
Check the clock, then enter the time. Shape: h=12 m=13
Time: h=3 m=35
